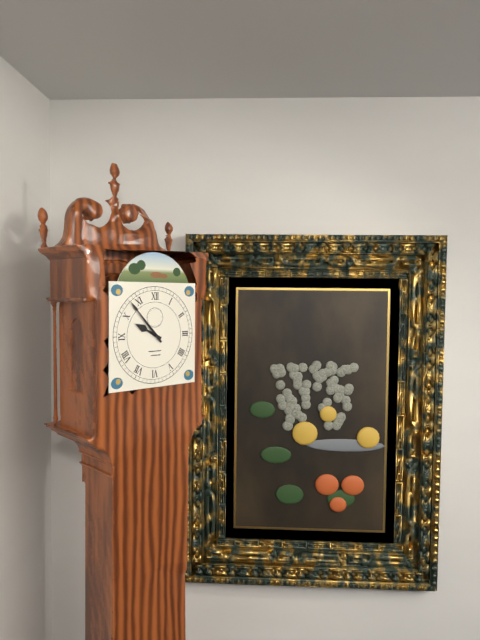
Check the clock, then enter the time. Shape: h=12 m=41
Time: h=9 m=53
